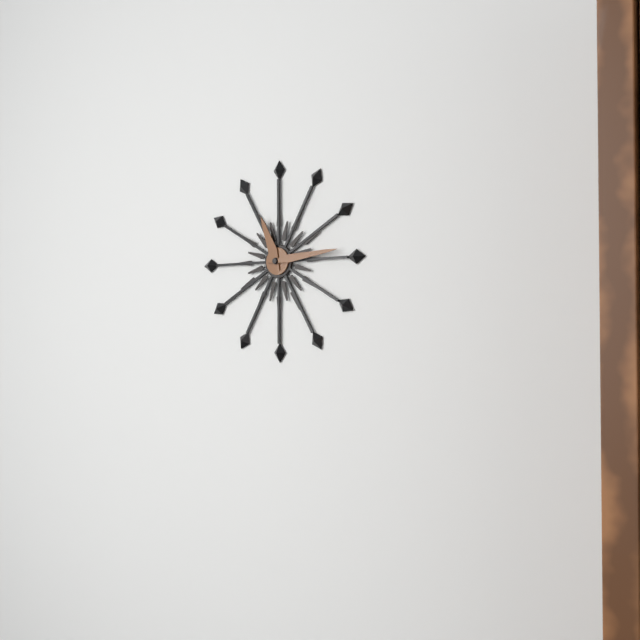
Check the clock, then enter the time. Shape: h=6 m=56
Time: h=11 m=14
